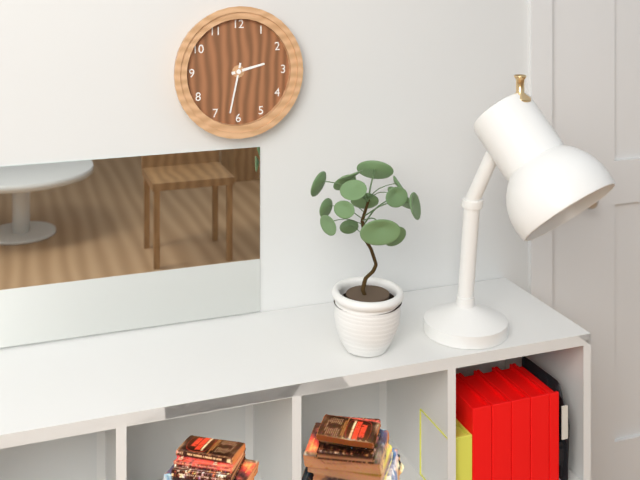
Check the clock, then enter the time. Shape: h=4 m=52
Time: h=2 m=32
